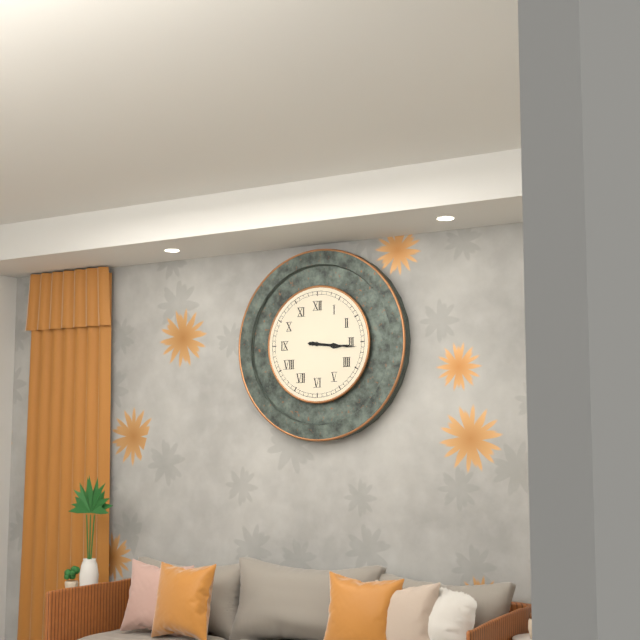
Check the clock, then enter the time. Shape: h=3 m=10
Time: h=3 m=16
